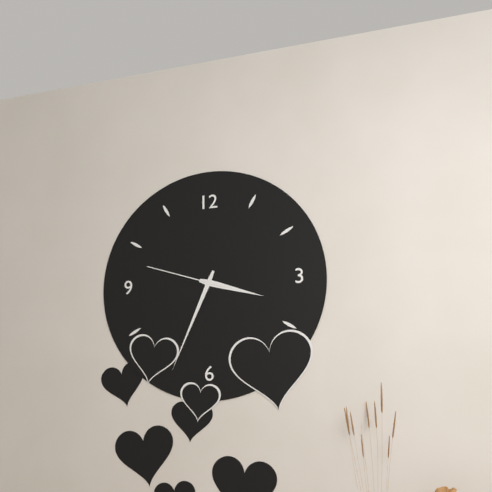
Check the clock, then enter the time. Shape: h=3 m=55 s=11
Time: h=3 m=34 s=48
